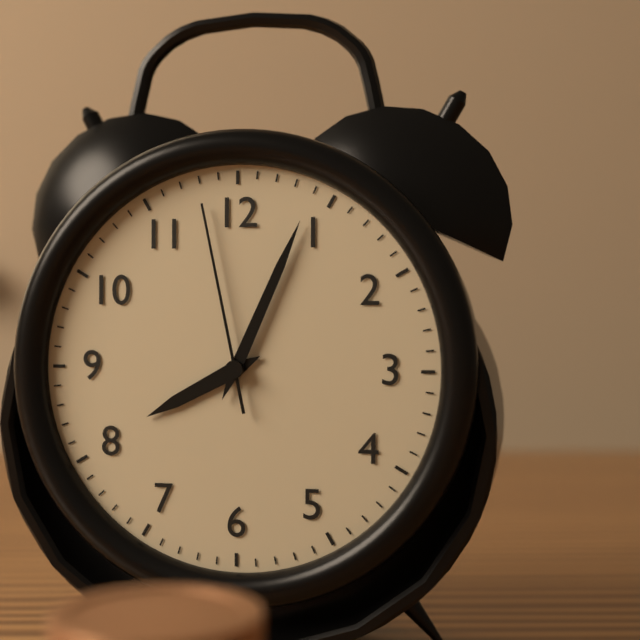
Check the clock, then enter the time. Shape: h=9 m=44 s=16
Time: h=8 m=4 s=58
